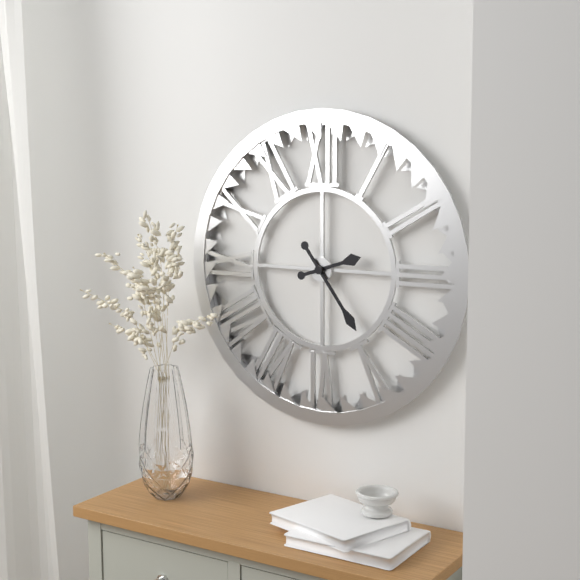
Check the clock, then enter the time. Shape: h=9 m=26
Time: h=2 m=24
